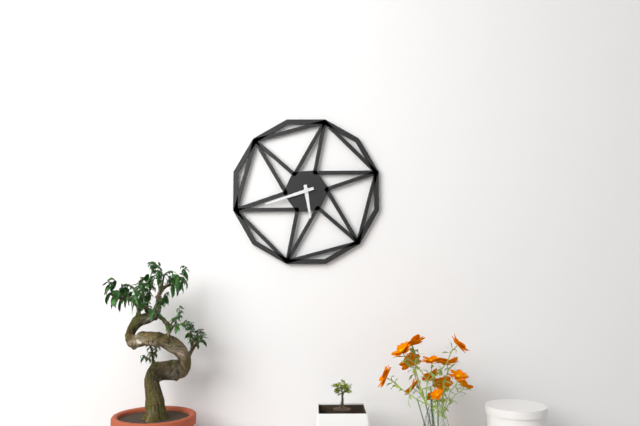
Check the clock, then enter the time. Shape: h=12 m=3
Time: h=5 m=42
